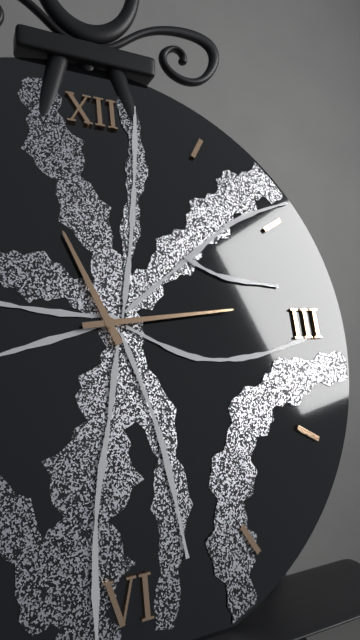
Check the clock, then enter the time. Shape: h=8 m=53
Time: h=11 m=14
